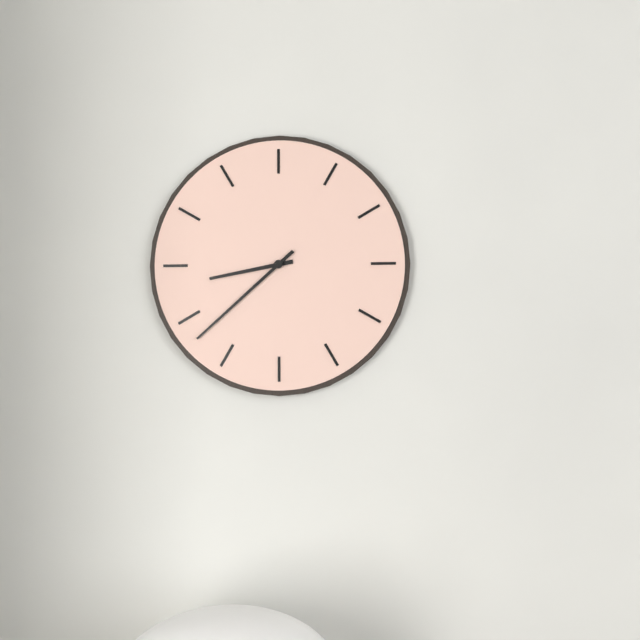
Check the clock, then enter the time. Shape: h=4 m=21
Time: h=8 m=38
